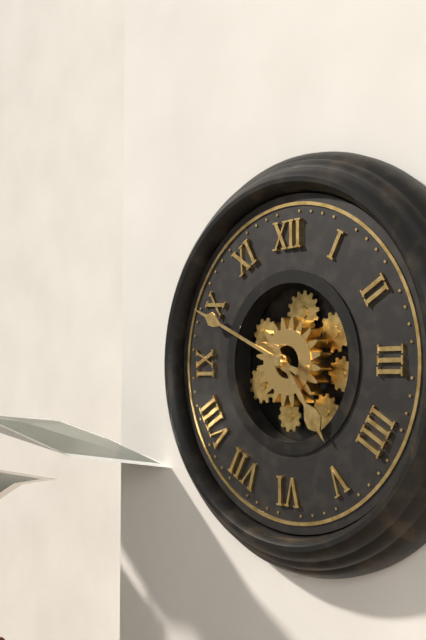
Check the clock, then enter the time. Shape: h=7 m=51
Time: h=4 m=49
